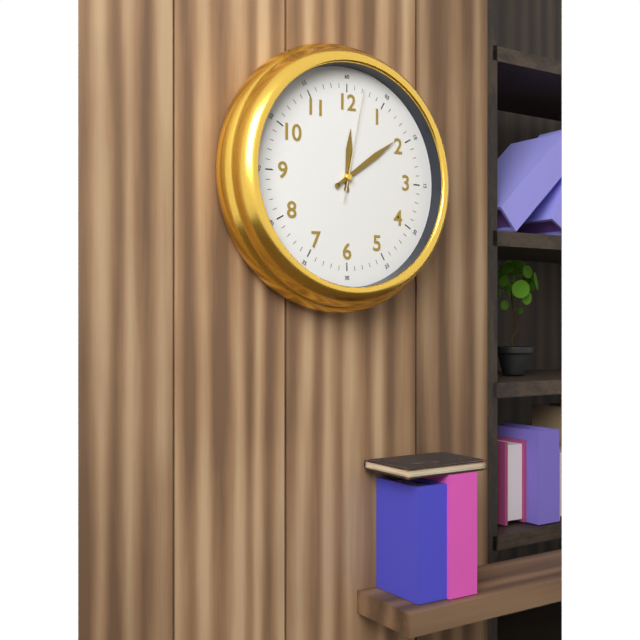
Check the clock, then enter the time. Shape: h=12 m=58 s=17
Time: h=12 m=9 s=2
